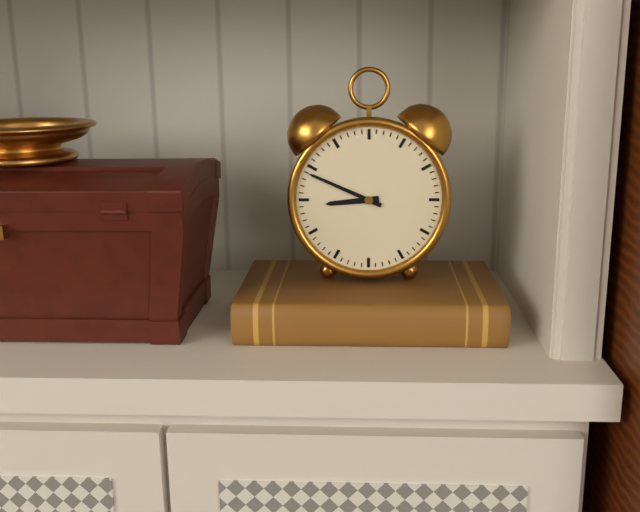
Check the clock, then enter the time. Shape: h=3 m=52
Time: h=8 m=49
